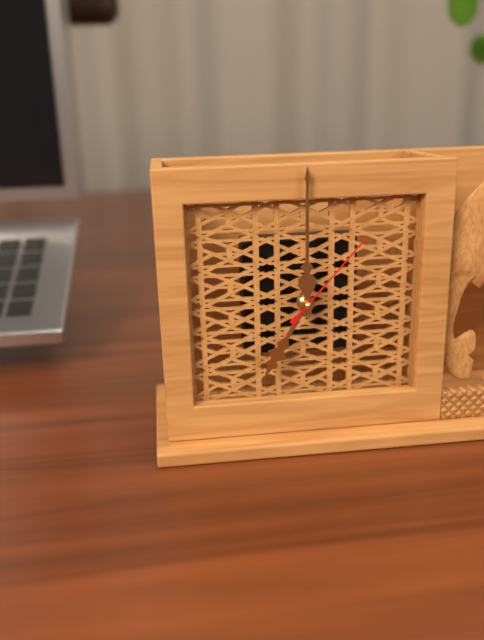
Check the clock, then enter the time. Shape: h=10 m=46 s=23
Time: h=7 m=0 s=7
